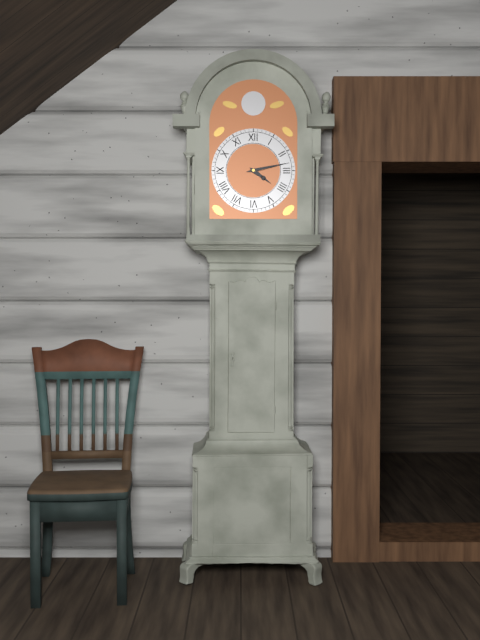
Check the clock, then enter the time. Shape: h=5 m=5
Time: h=4 m=13
